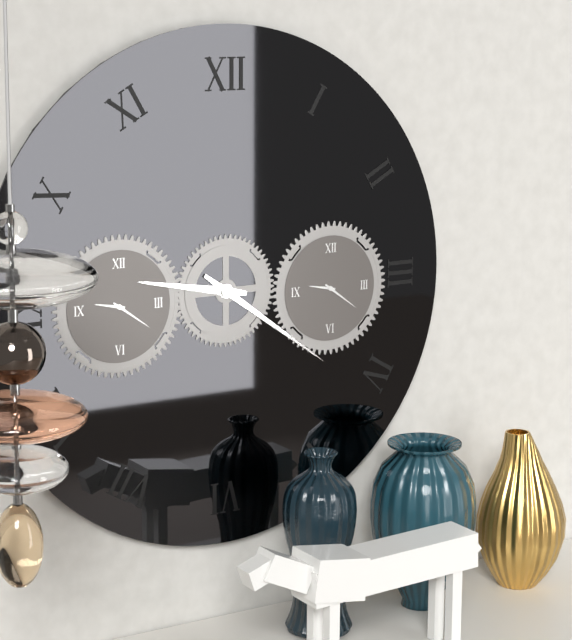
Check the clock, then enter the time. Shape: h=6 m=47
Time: h=9 m=21
